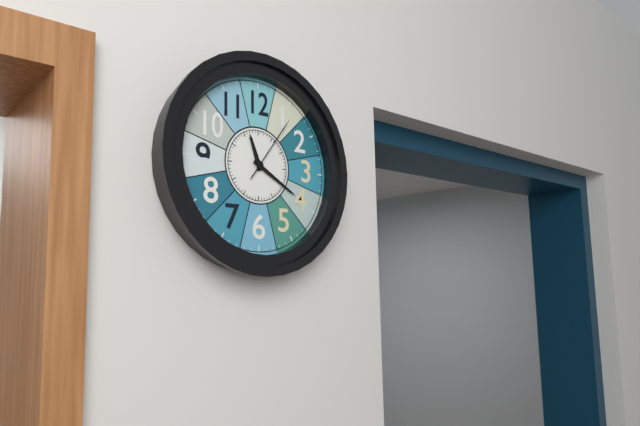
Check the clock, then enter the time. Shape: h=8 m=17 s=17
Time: h=11 m=20 s=6
